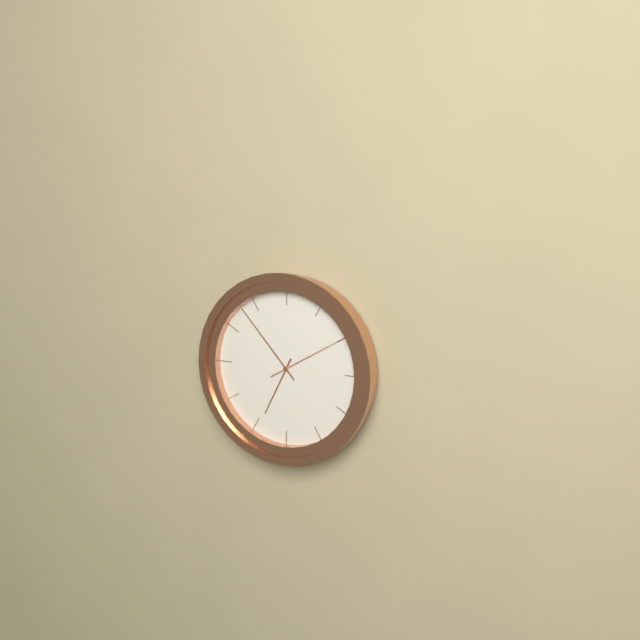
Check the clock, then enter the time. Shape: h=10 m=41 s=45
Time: h=6 m=53 s=10
